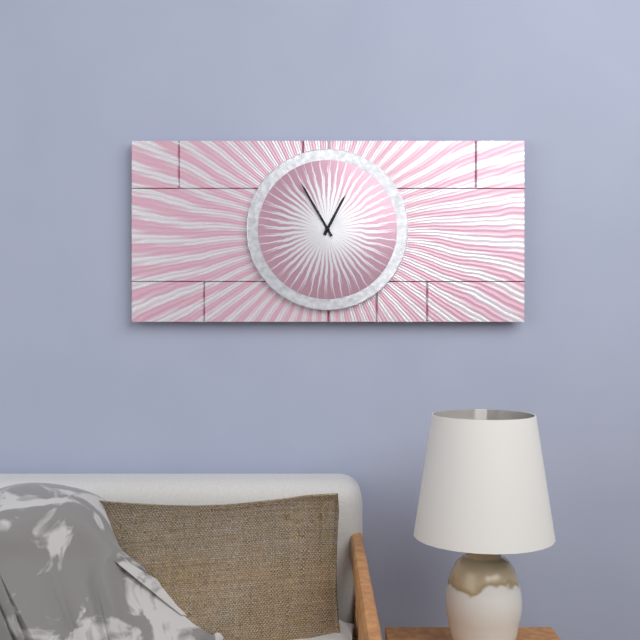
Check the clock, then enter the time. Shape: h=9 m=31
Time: h=12 m=55
